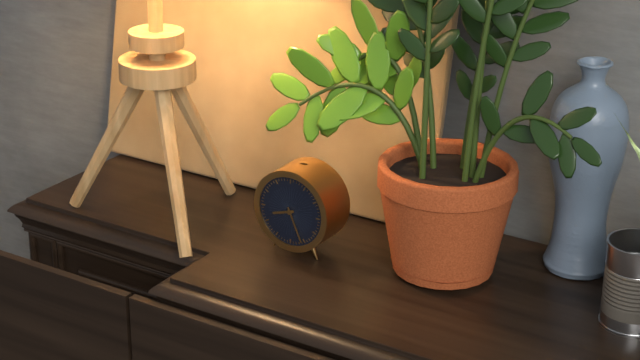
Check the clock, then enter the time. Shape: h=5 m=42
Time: h=8 m=26
